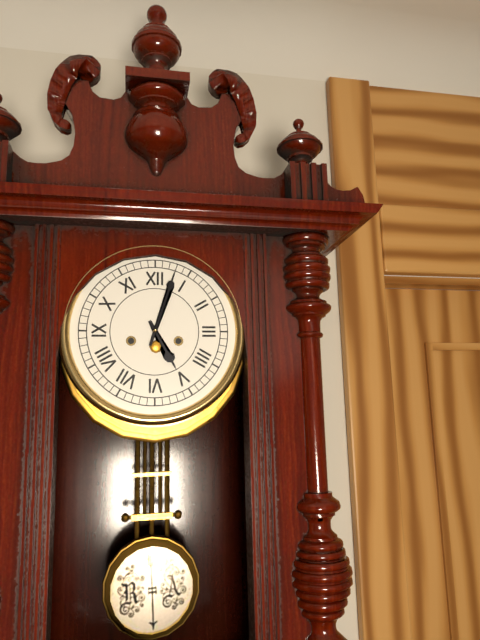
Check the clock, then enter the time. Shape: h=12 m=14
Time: h=5 m=3
